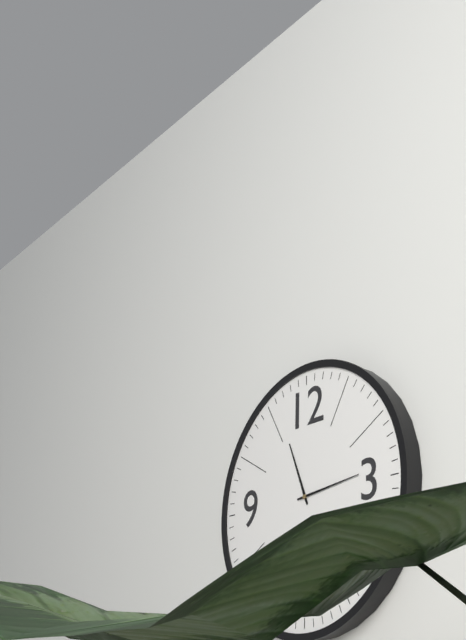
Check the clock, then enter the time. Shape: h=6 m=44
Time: h=11 m=14
